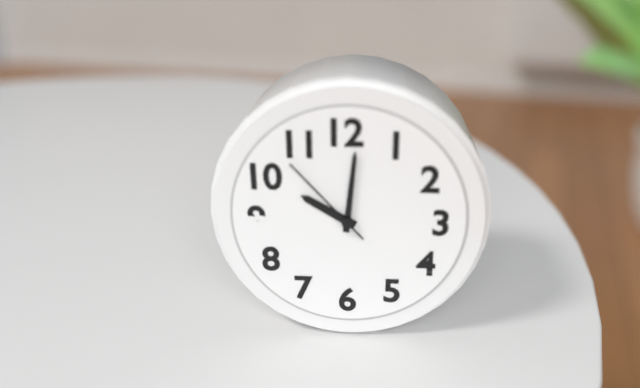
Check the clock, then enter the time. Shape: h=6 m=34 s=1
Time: h=10 m=1 s=53
